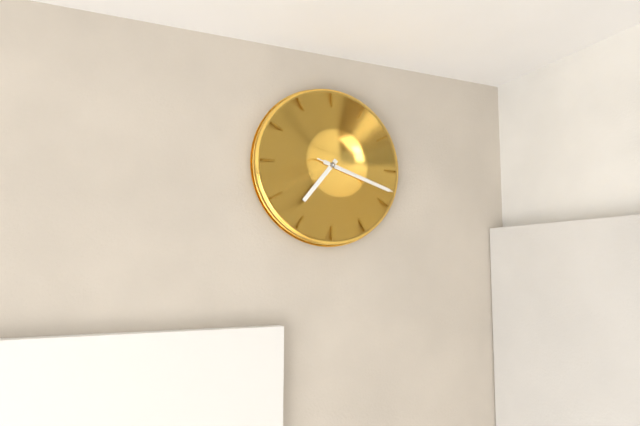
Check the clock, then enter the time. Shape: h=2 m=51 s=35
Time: h=7 m=18 s=18
